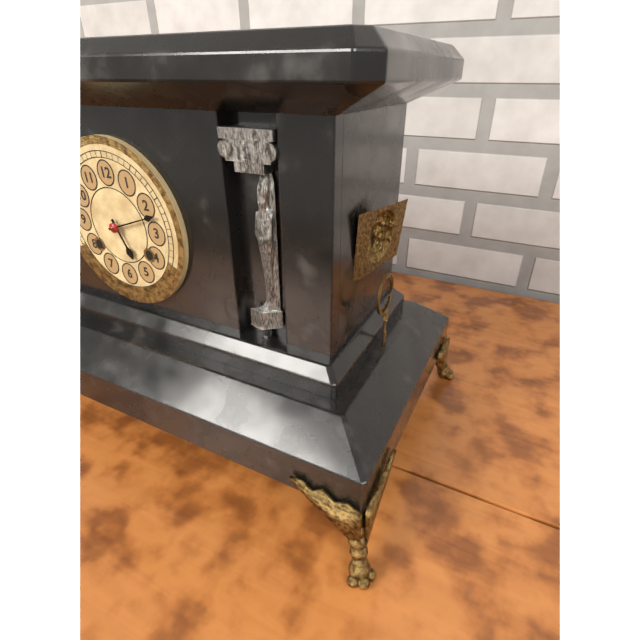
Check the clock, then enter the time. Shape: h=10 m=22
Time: h=5 m=12
